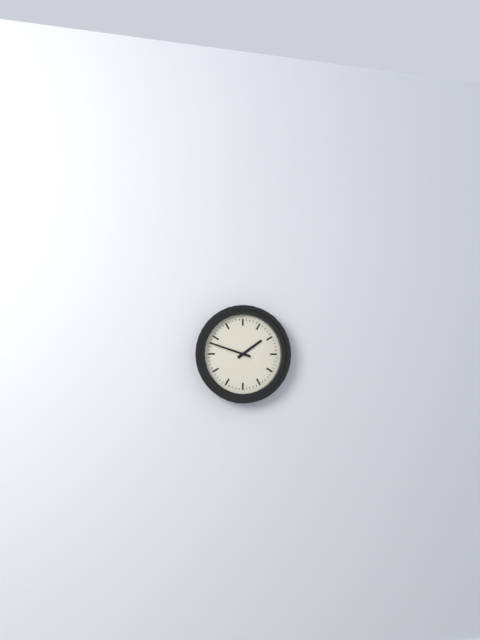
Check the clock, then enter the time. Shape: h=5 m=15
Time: h=1 m=48
